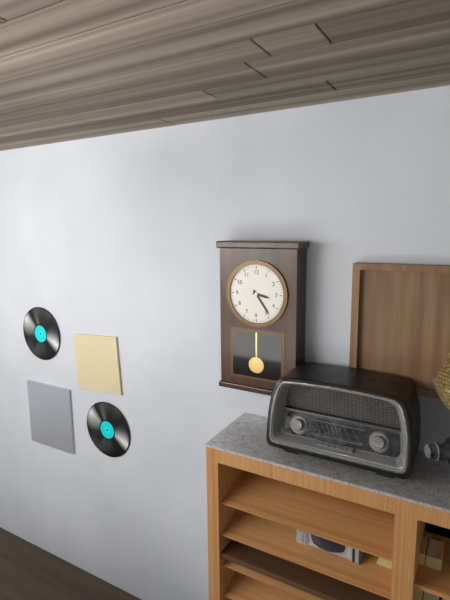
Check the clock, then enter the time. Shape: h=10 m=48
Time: h=3 m=24
